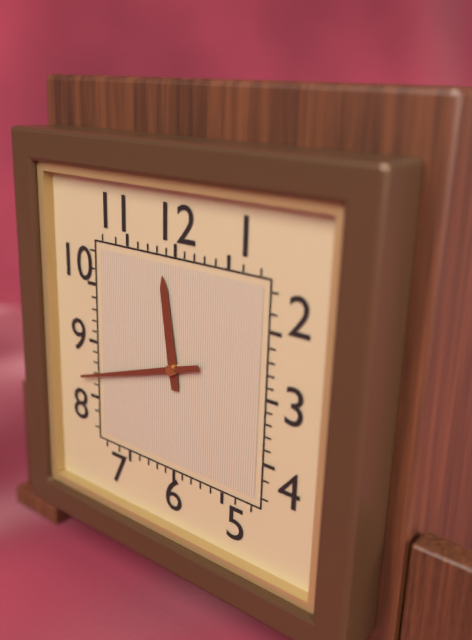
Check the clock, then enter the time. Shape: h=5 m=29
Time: h=11 m=42
